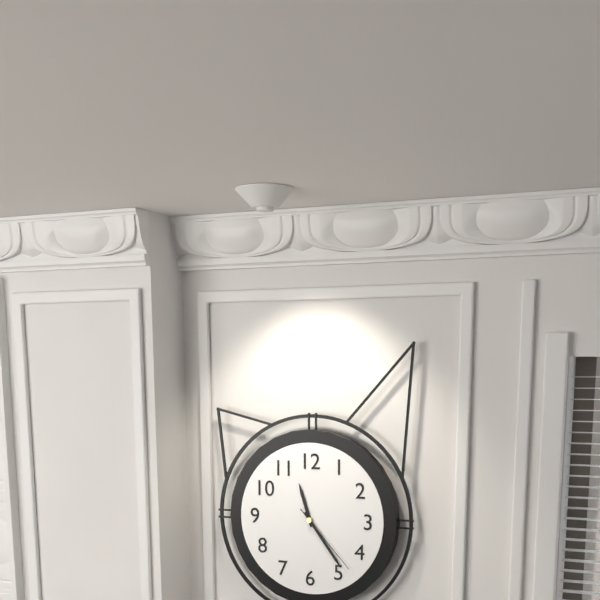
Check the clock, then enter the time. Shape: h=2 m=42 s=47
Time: h=11 m=24 s=23
